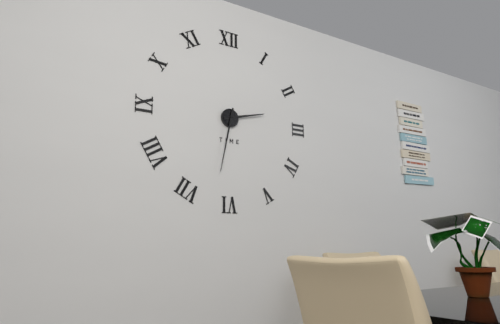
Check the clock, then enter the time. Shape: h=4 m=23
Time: h=2 m=32
